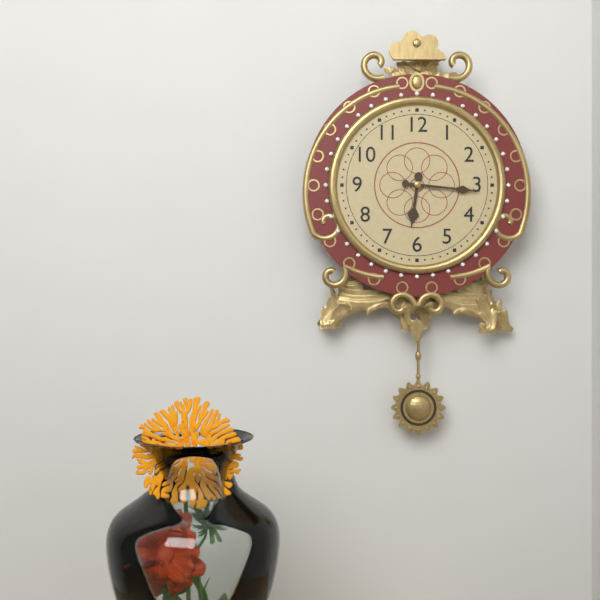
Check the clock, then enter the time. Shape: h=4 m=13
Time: h=6 m=16
